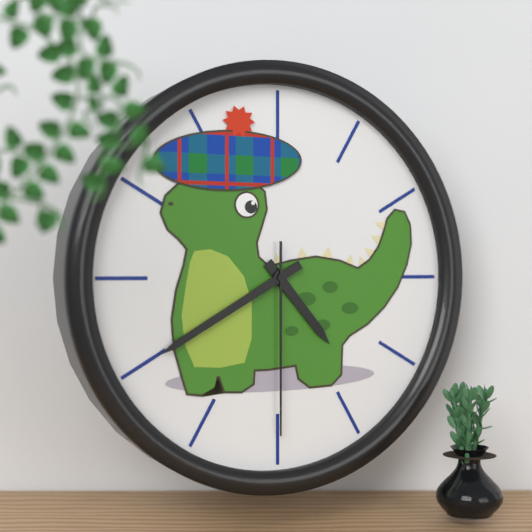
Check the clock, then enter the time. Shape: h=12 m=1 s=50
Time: h=4 m=40 s=30
